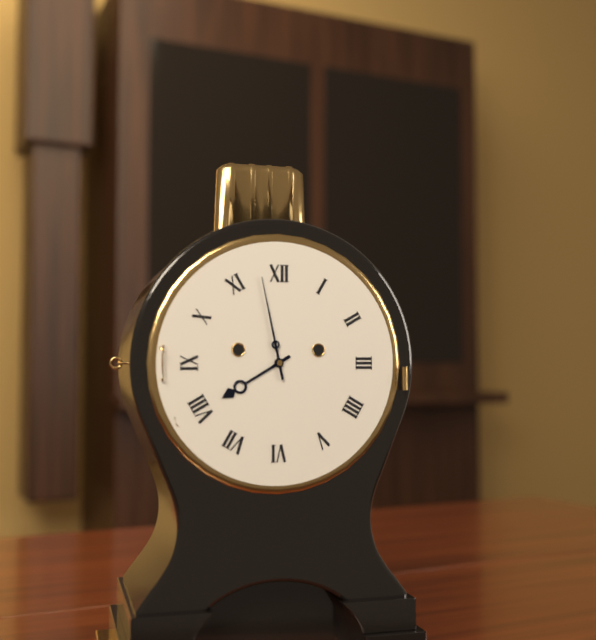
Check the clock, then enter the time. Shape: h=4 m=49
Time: h=7 m=58
